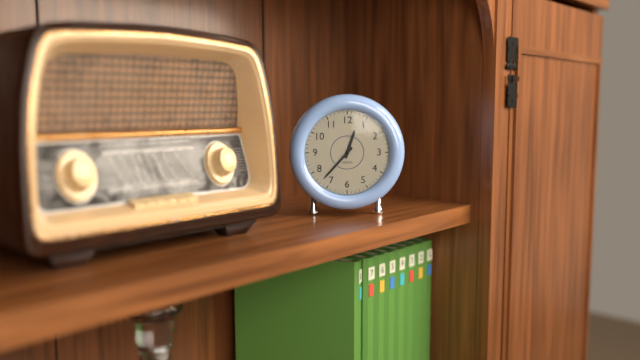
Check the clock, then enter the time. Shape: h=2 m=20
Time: h=12 m=37
